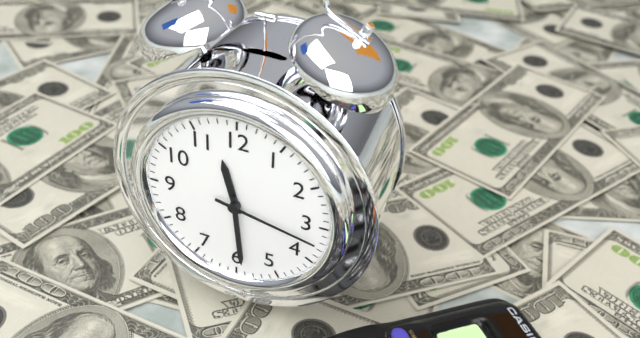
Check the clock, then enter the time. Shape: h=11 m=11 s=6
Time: h=11 m=29 s=17
